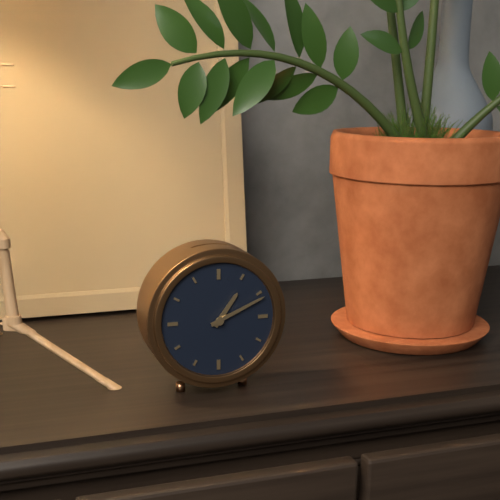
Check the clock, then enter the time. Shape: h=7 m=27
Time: h=1 m=11
